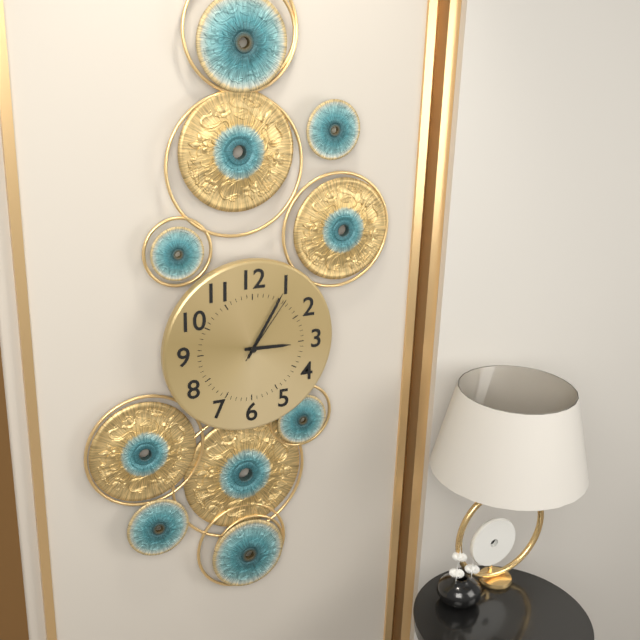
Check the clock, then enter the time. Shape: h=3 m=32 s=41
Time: h=3 m=5 s=6
